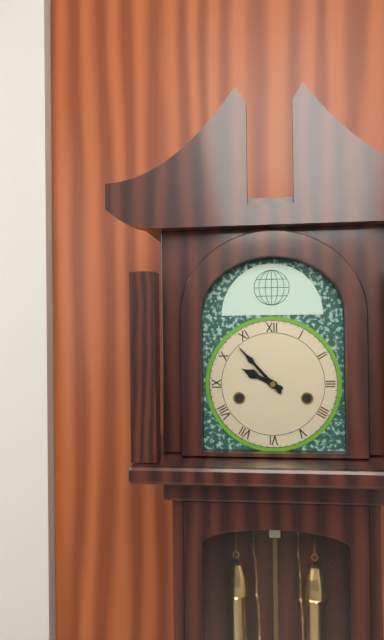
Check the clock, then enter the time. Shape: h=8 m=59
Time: h=9 m=53
